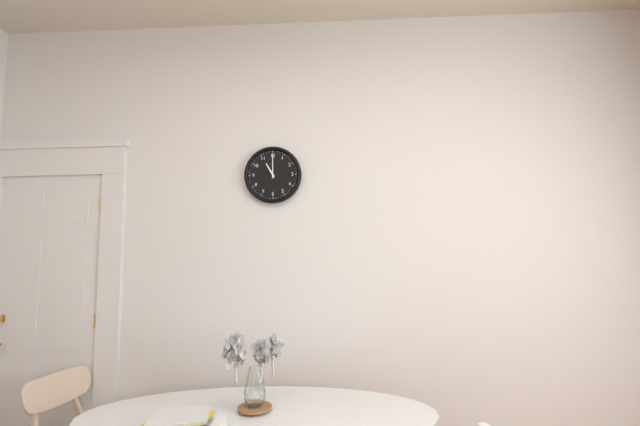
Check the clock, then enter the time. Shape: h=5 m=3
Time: h=11 m=0
